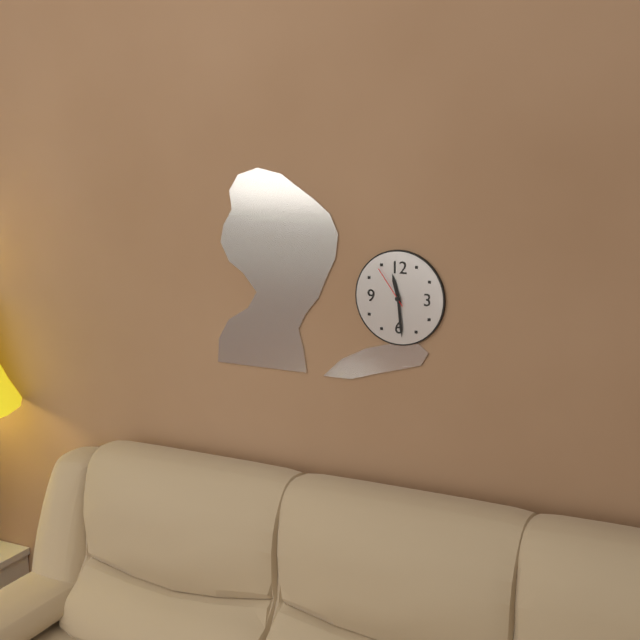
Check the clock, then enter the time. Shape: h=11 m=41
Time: h=11 m=29
